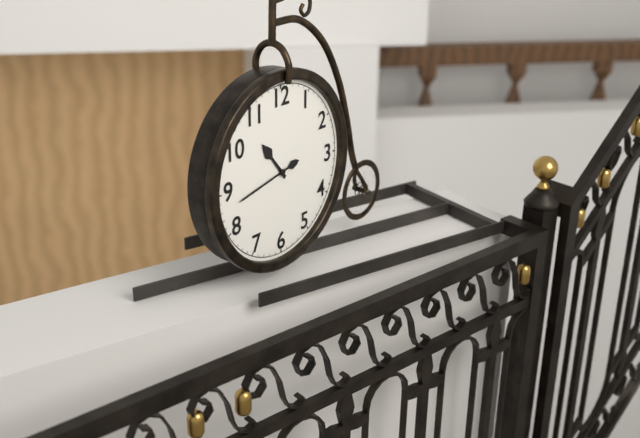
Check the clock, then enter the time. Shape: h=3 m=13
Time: h=10 m=43
